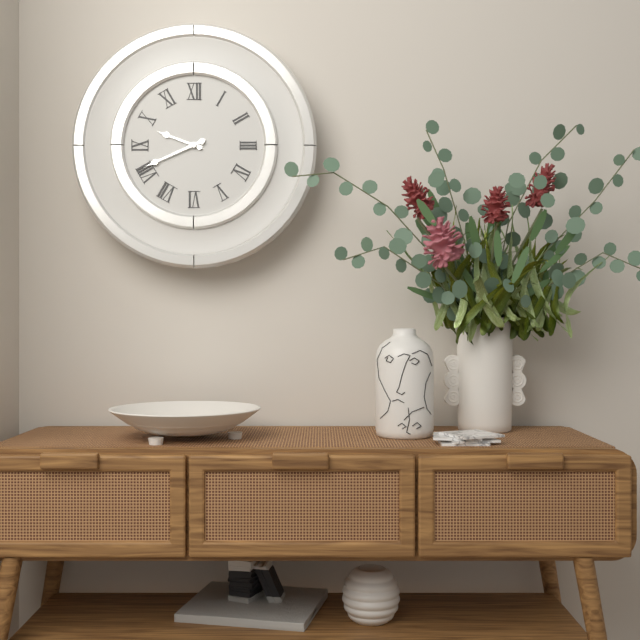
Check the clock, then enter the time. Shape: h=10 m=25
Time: h=9 m=41
